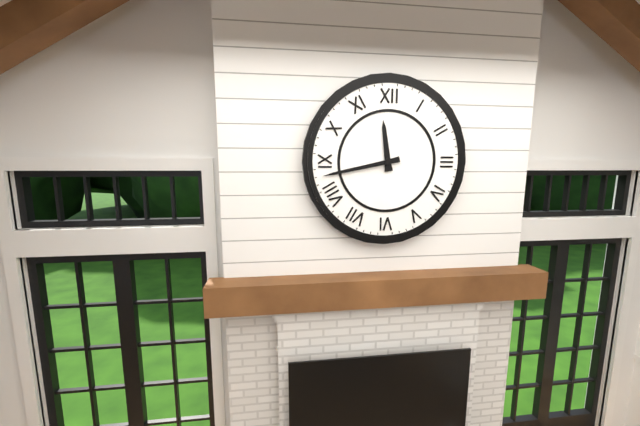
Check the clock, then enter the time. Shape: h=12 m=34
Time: h=11 m=43
